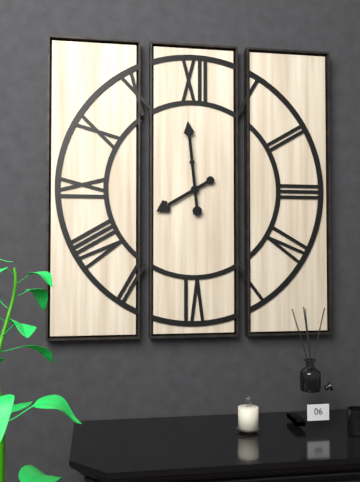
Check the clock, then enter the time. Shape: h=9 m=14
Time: h=7 m=59
